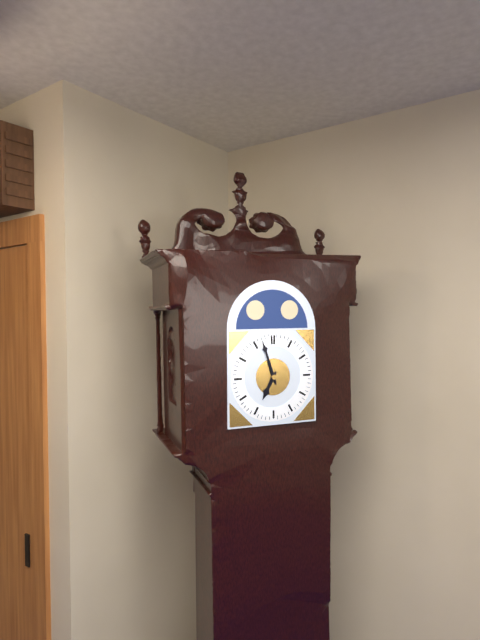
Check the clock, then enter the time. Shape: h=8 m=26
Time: h=6 m=57
